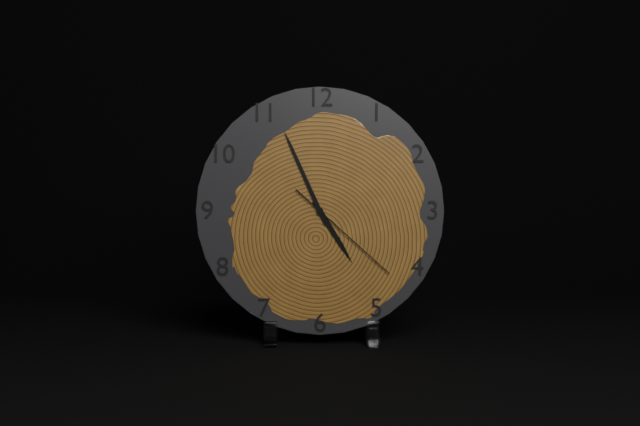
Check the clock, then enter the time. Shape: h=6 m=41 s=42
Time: h=4 m=56 s=22
